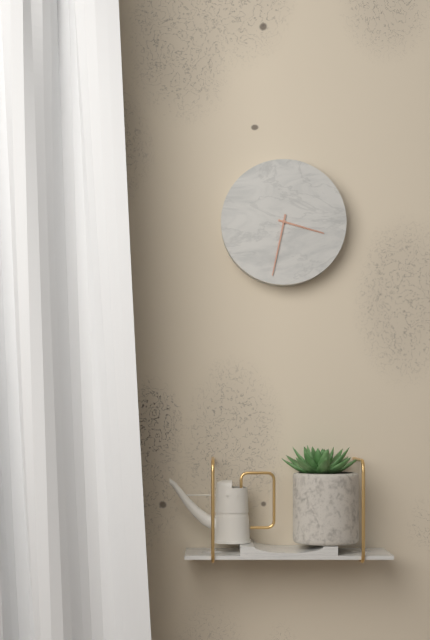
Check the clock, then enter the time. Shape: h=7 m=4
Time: h=3 m=32
